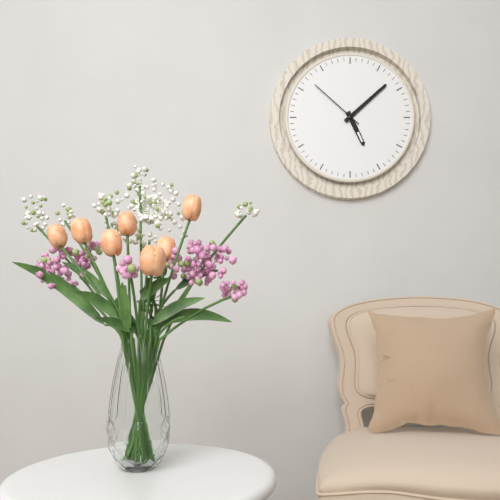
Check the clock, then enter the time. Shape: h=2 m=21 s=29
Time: h=5 m=8 s=52
